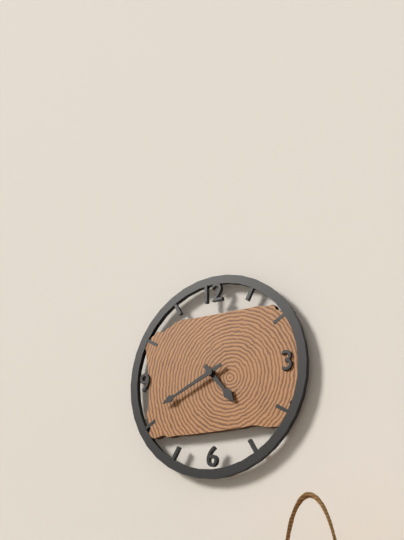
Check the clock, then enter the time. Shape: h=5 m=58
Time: h=4 m=41
